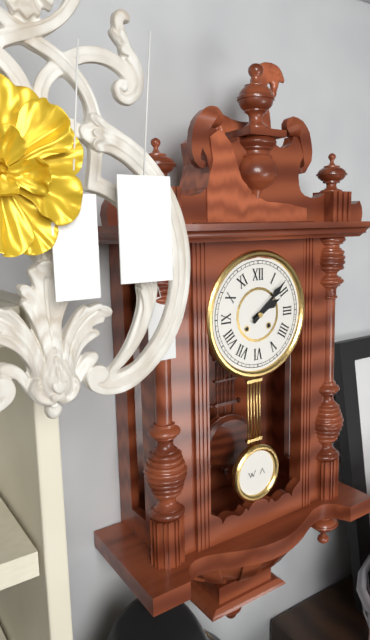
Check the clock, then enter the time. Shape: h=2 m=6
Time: h=2 m=8
